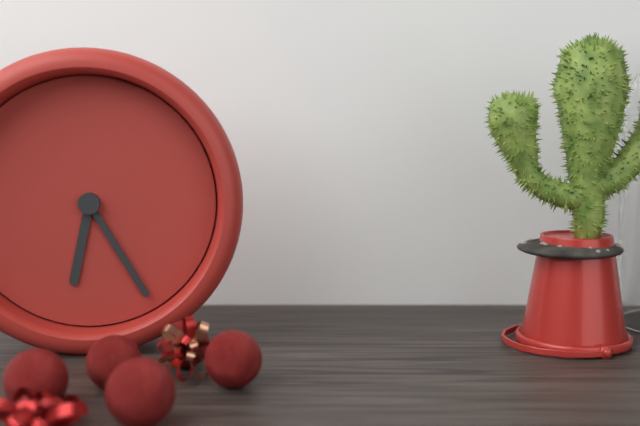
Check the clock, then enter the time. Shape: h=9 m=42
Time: h=6 m=25
